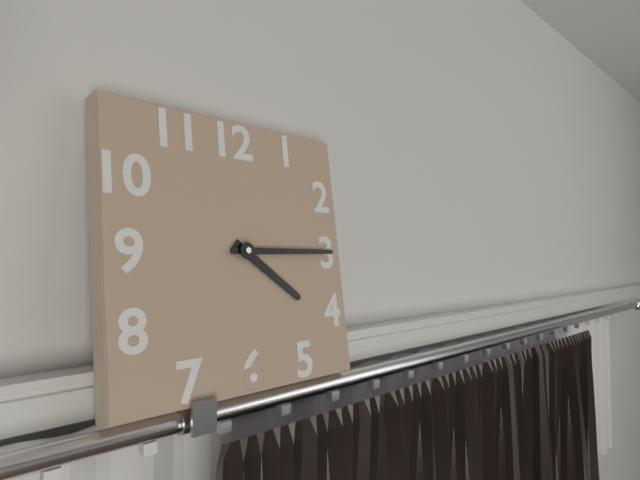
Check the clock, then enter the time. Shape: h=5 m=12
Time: h=4 m=15
